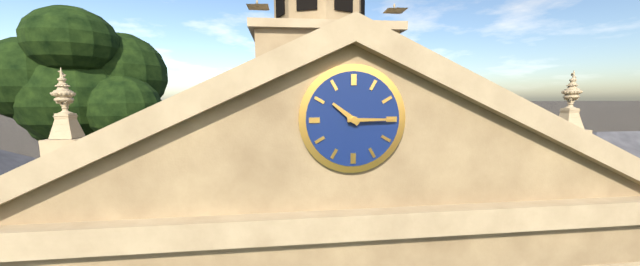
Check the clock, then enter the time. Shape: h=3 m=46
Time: h=10 m=15
